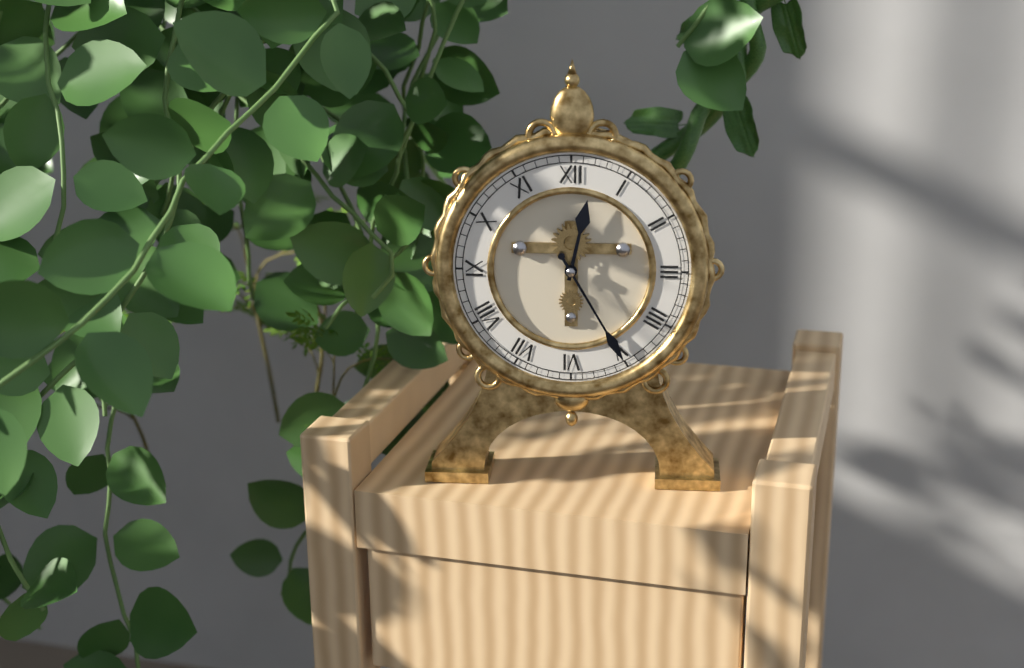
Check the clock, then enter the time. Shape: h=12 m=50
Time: h=12 m=25
